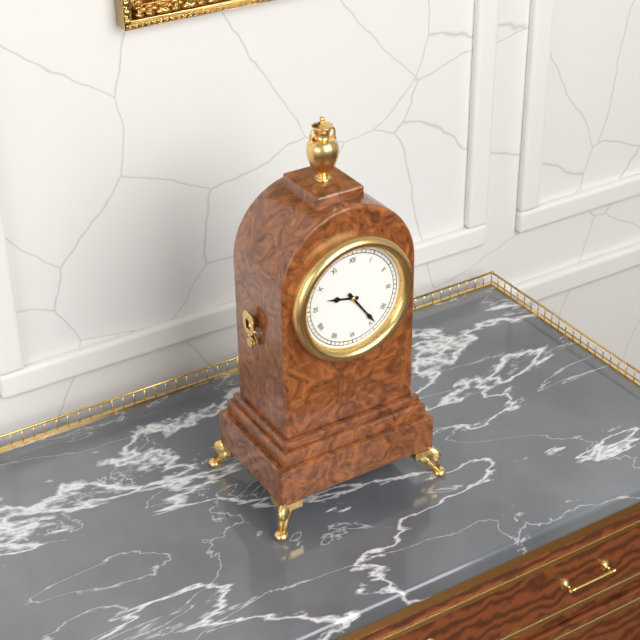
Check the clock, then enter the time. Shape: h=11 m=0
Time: h=9 m=24
